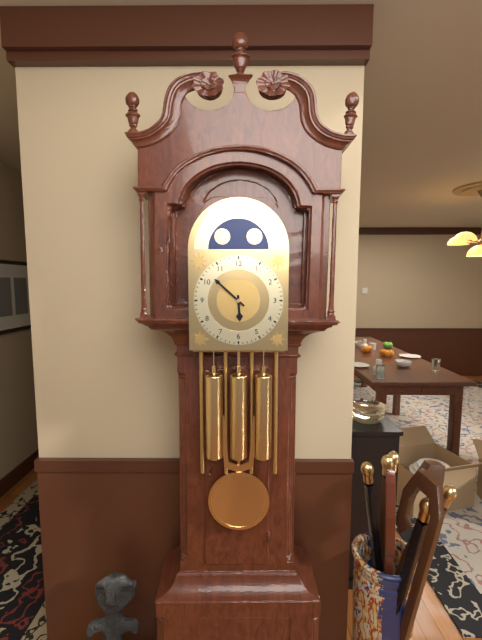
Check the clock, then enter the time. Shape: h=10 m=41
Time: h=5 m=52
